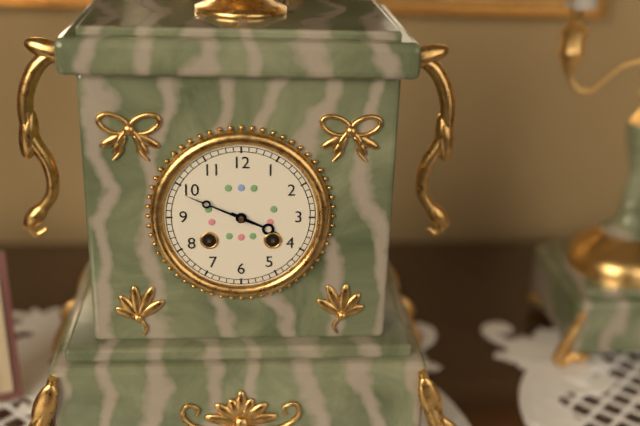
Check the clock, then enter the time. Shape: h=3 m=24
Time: h=3 m=49
